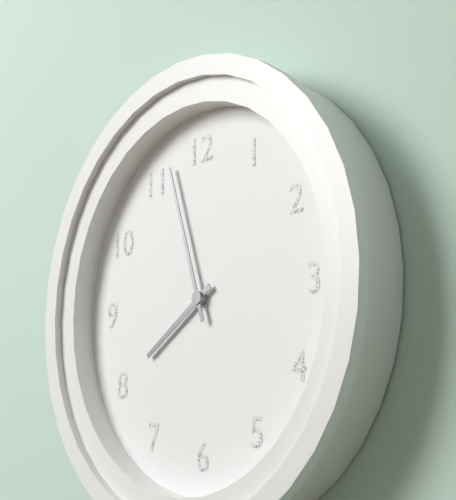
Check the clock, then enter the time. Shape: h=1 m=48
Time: h=7 m=57
